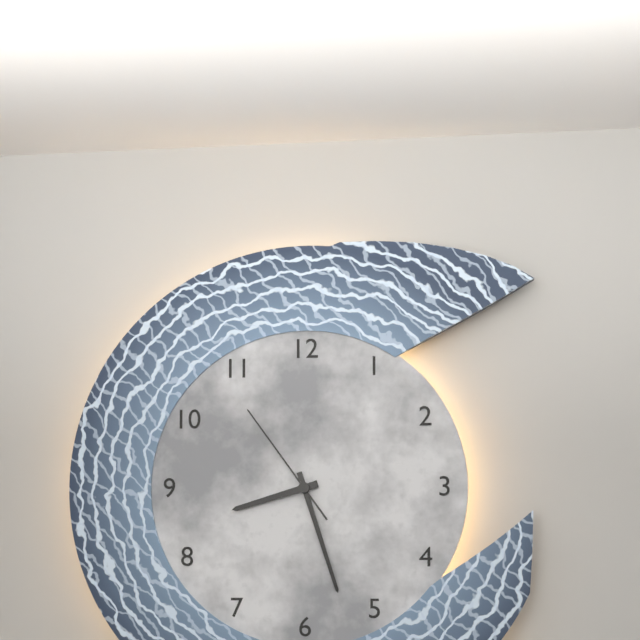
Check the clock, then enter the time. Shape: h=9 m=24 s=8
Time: h=8 m=27 s=54
